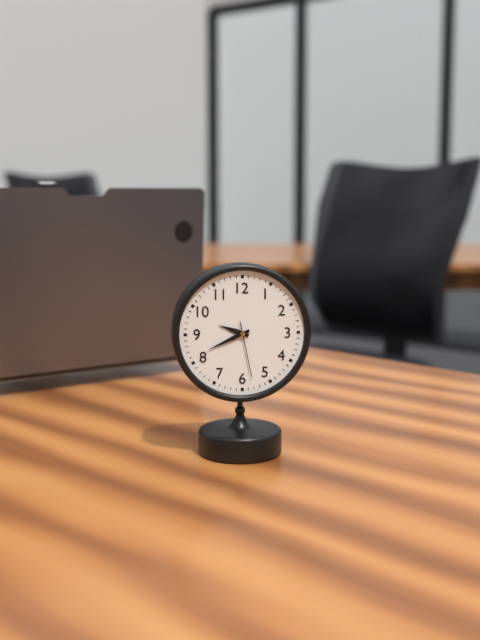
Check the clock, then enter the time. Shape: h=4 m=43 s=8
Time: h=9 m=41 s=28
